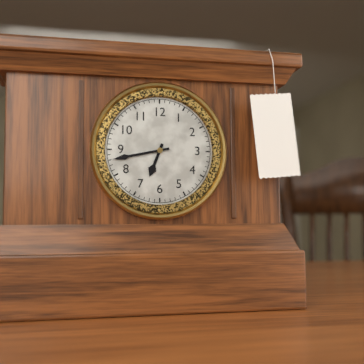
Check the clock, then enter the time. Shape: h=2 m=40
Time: h=6 m=43
